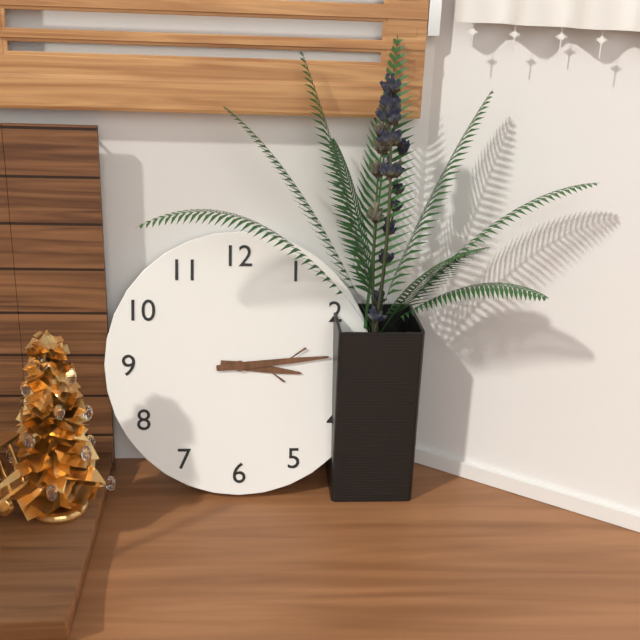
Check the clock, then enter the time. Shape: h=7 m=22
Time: h=3 m=14
